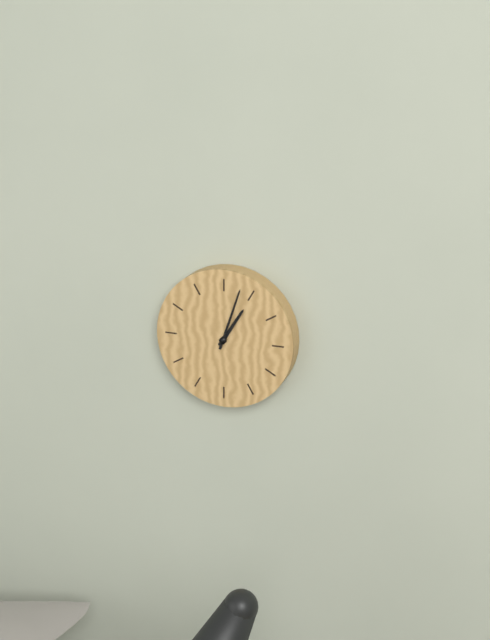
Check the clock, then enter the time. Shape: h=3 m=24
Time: h=1 m=3
